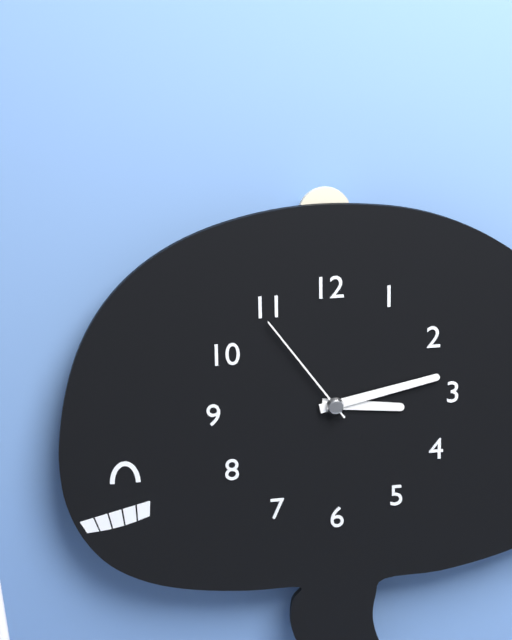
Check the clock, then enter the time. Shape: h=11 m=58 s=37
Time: h=3 m=13 s=54
